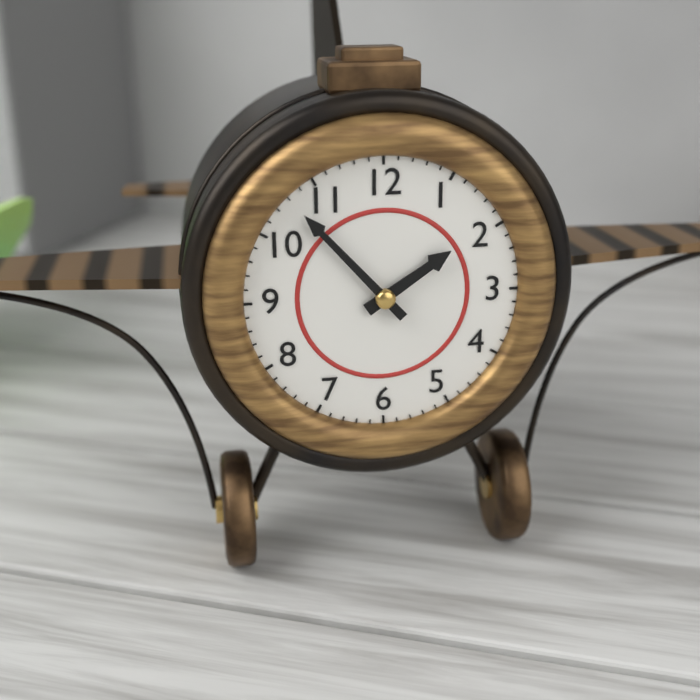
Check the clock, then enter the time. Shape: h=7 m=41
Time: h=1 m=53
